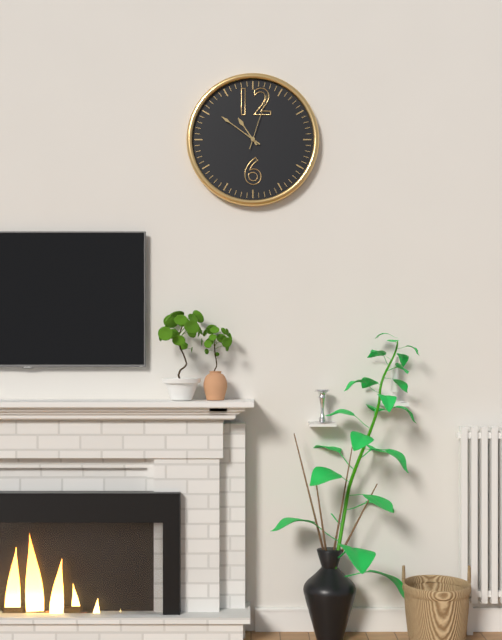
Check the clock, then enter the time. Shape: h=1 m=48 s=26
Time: h=10 m=51 s=3
